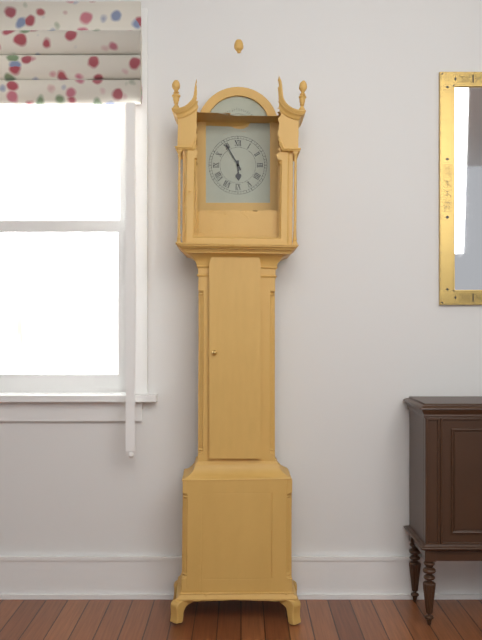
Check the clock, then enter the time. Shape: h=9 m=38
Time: h=5 m=55
